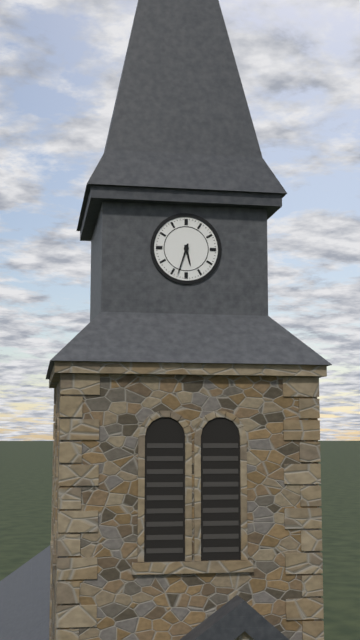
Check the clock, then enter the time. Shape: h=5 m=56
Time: h=5 m=33
